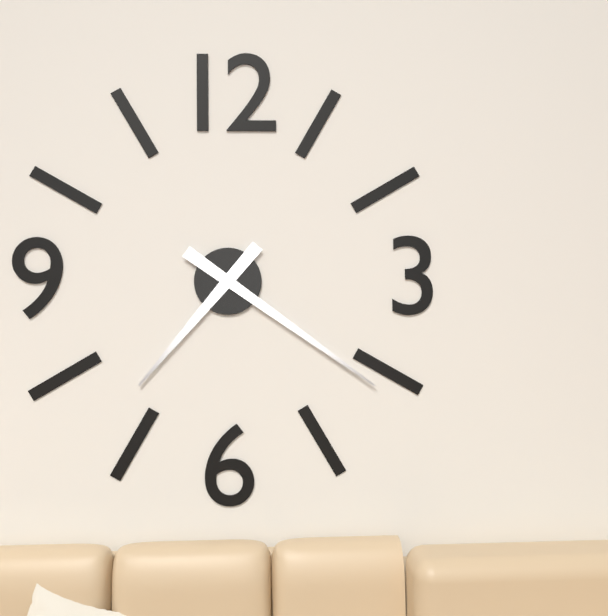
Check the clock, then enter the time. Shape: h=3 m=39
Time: h=7 m=21
